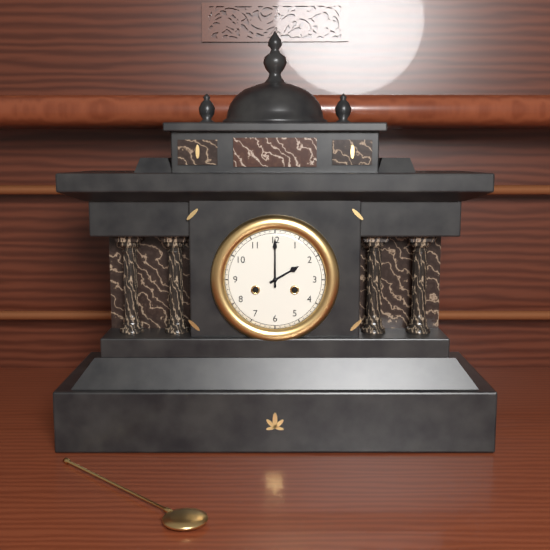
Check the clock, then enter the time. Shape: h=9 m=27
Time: h=2 m=0
